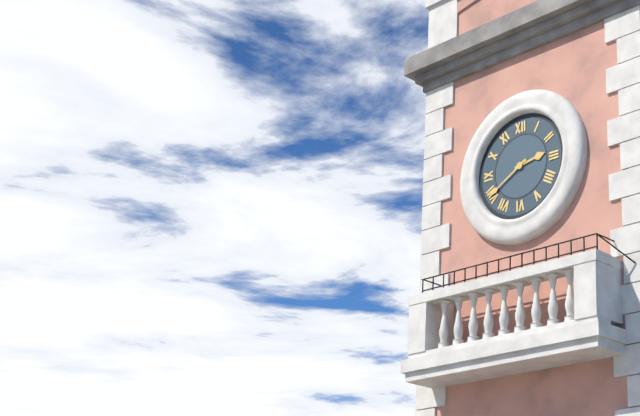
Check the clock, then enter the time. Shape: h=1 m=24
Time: h=2 m=40
